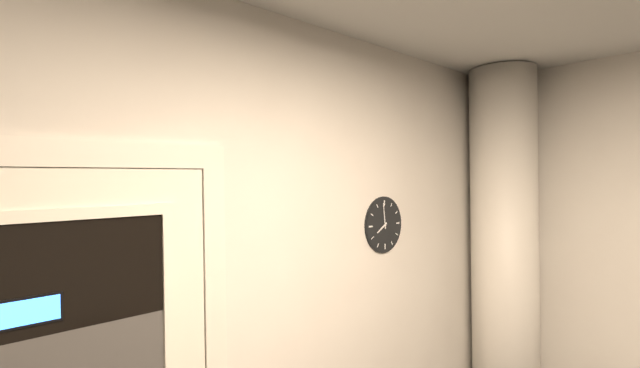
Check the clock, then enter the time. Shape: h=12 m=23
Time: h=7 m=59
